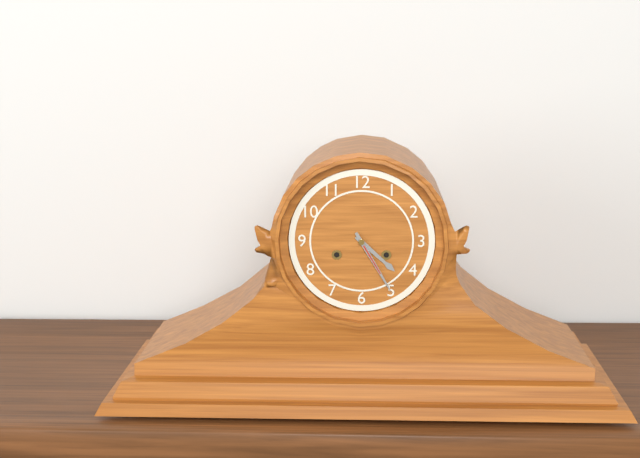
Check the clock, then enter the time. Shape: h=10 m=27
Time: h=4 m=25
